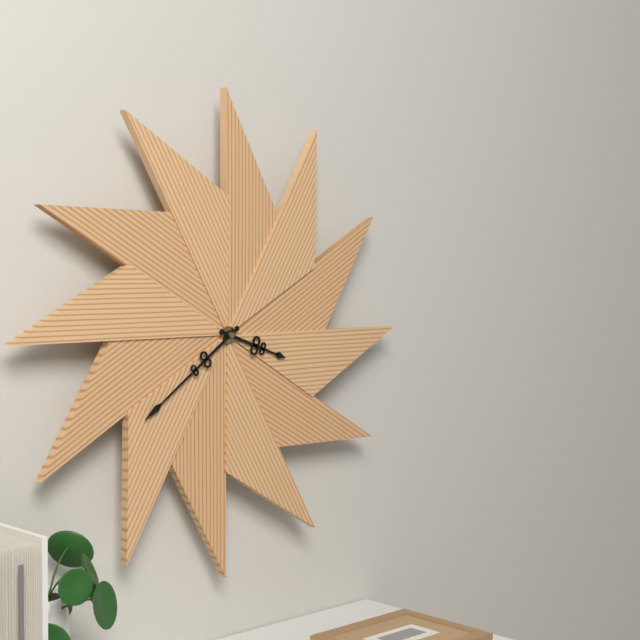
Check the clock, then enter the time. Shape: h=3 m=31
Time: h=3 m=39
